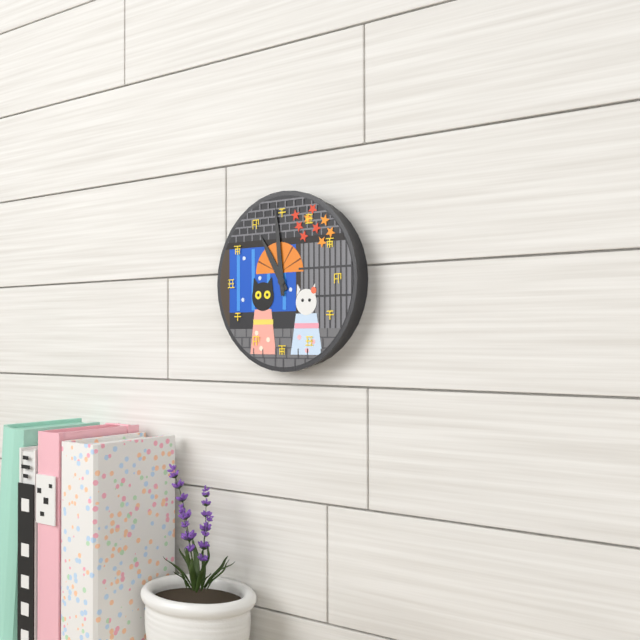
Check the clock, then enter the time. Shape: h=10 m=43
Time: h=10 m=59
